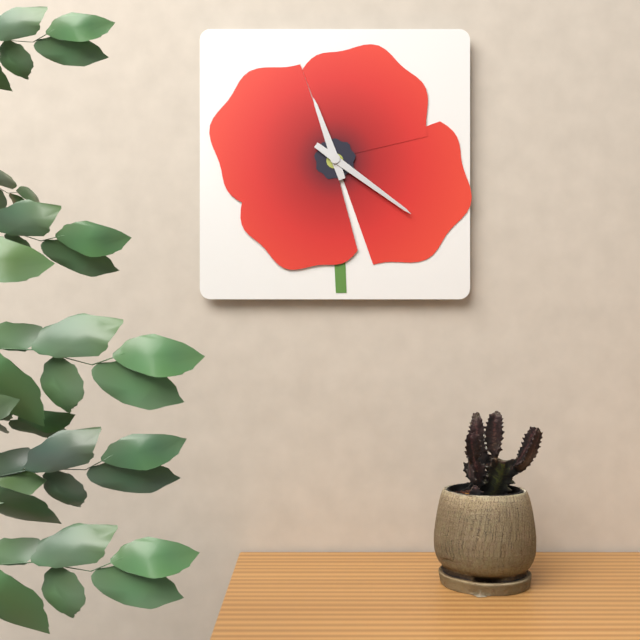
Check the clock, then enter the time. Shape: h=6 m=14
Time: h=11 m=21
